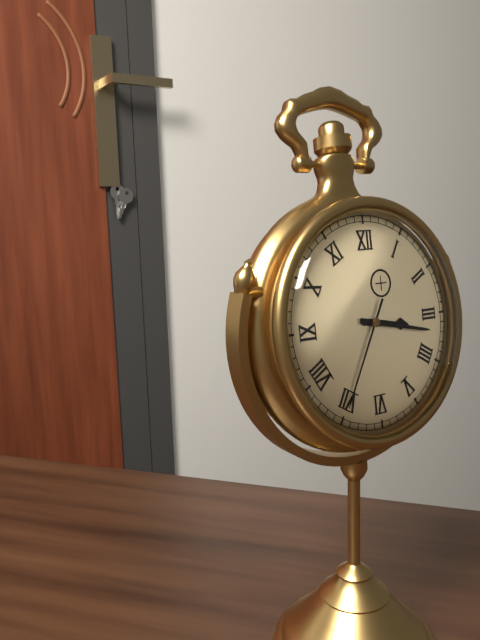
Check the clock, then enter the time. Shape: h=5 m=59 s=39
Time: h=3 m=17 s=35
